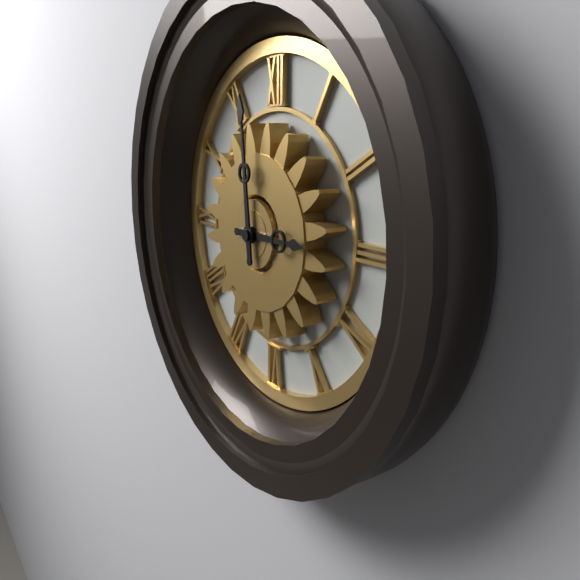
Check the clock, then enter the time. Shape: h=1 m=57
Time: h=2 m=59
